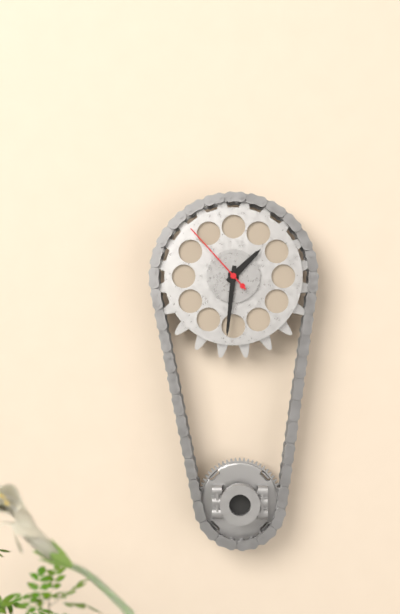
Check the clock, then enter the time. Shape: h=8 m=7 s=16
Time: h=1 m=31 s=53
